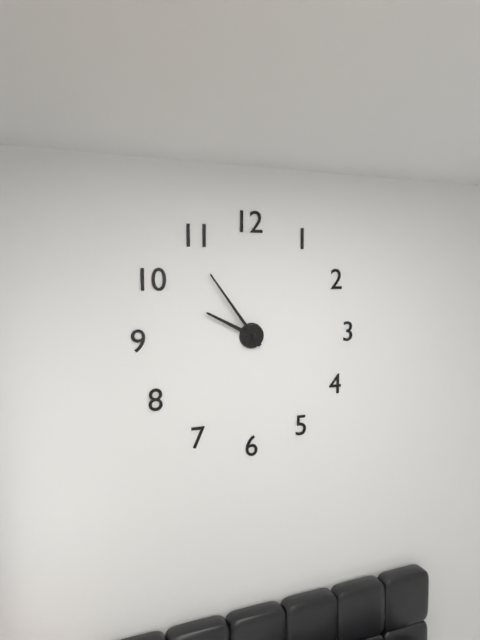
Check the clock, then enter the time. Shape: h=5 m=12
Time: h=9 m=54
